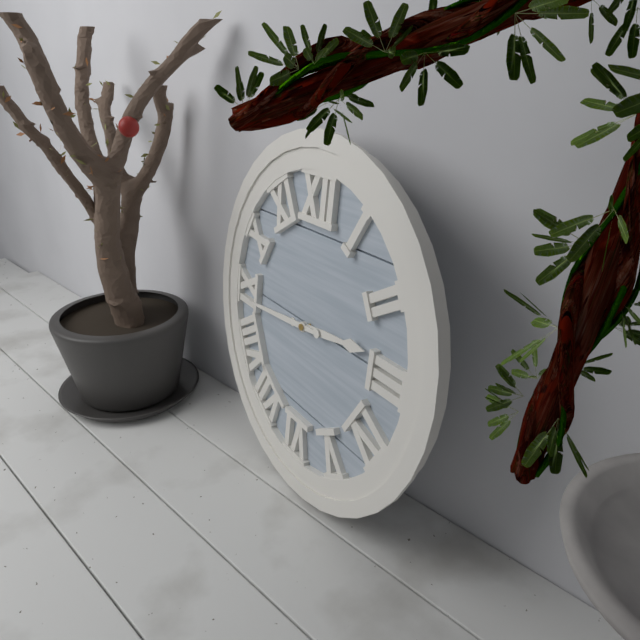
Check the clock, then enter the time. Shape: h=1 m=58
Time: h=2 m=44
